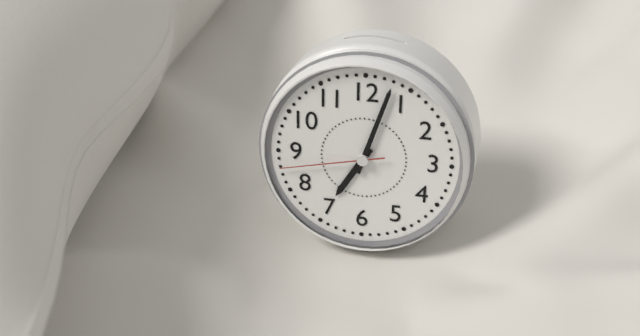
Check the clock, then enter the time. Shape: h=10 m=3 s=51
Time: h=7 m=3 s=43
